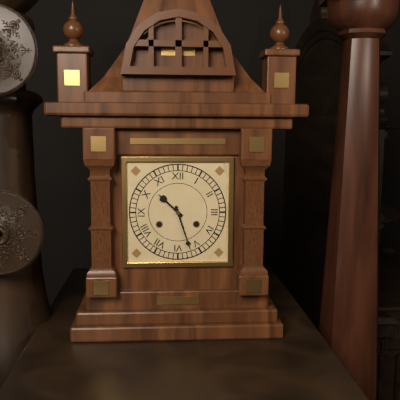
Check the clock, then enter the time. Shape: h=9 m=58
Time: h=10 m=27
